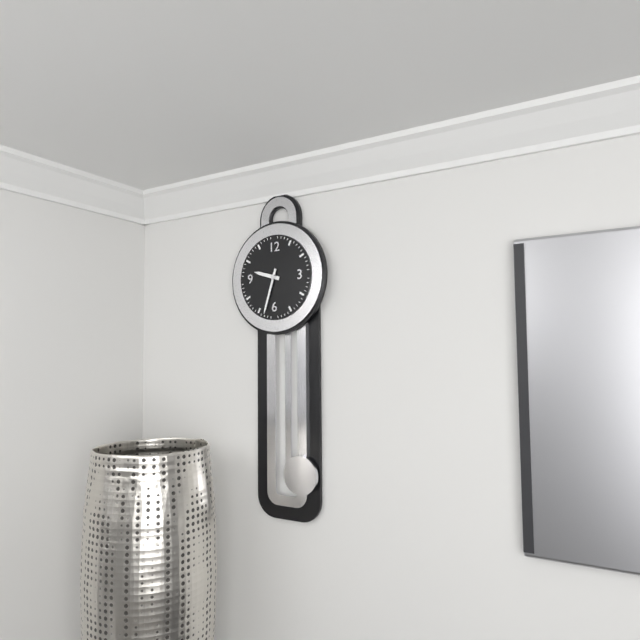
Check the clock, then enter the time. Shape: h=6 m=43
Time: h=9 m=33
